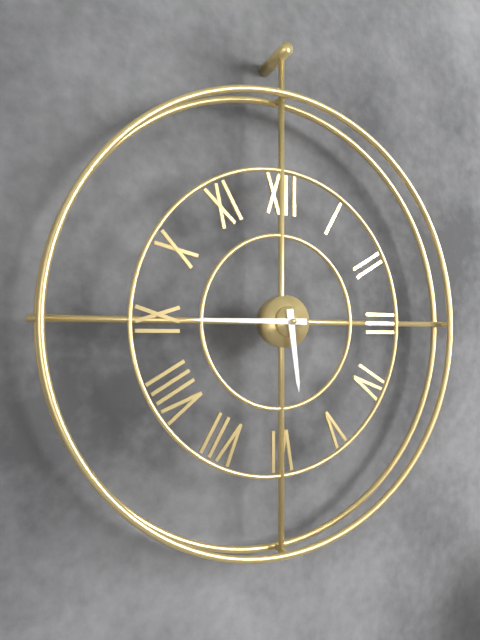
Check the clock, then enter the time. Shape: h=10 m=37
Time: h=5 m=45
